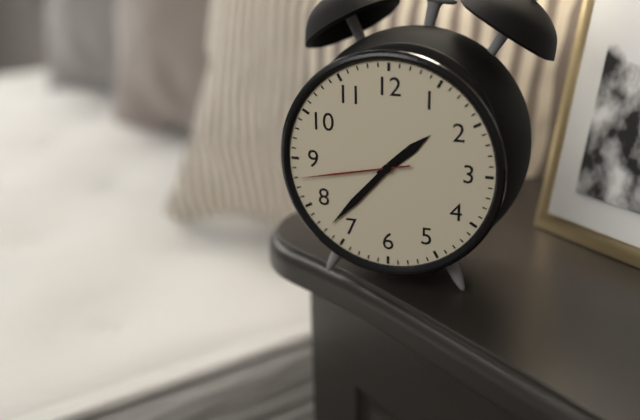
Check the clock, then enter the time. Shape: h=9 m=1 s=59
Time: h=1 m=37 s=43
